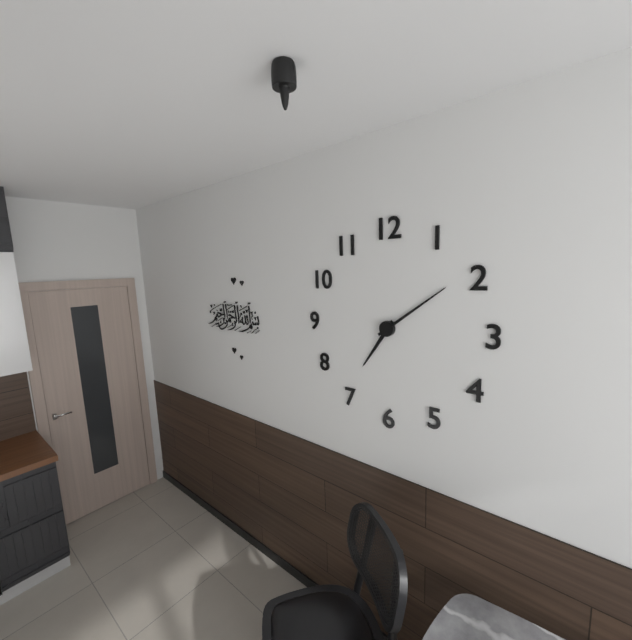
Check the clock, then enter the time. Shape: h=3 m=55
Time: h=7 m=9
